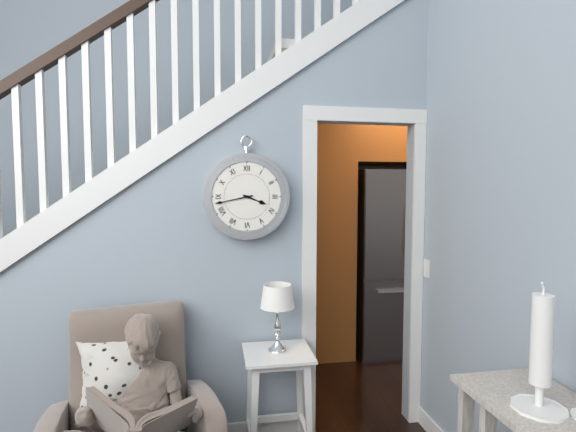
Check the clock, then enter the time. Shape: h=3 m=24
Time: h=3 m=43
